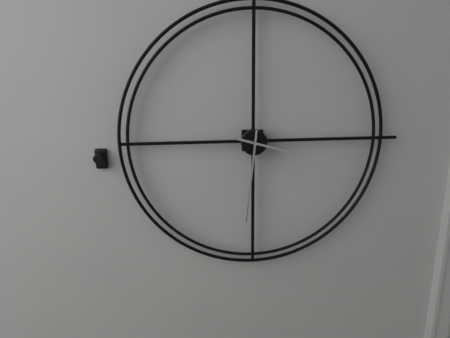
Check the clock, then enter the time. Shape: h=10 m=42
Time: h=3 m=31
